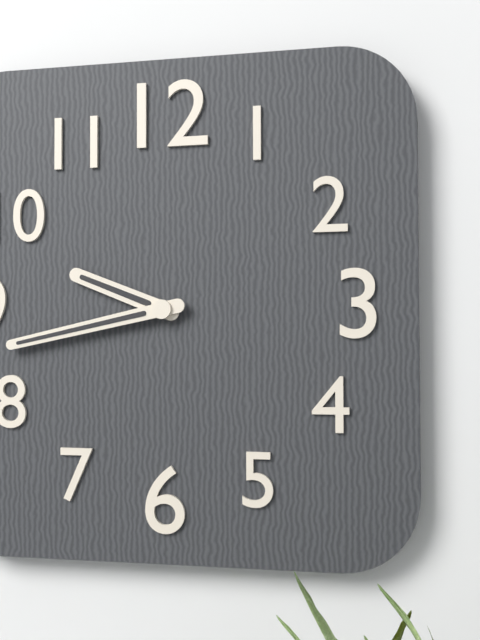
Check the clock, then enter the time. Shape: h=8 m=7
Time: h=9 m=43
